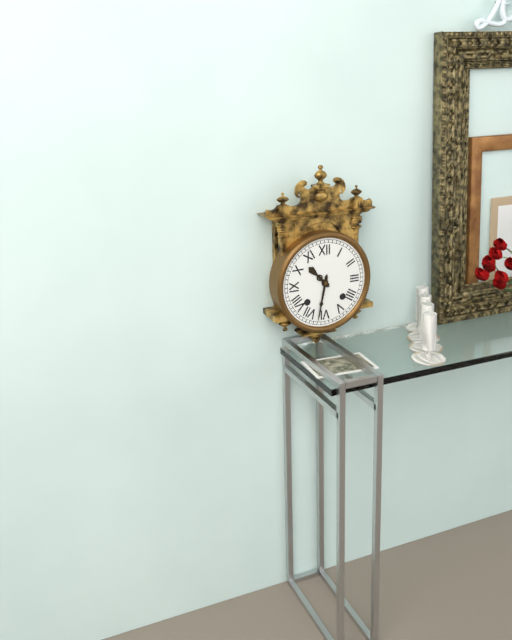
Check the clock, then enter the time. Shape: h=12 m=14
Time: h=10 m=32
